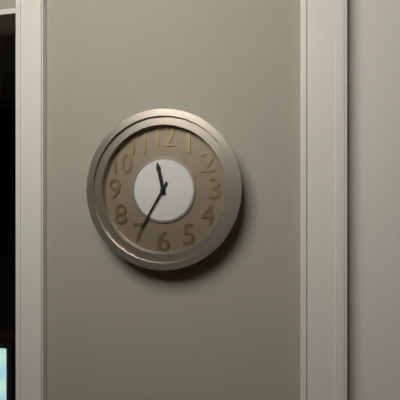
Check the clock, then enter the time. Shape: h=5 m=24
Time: h=11 m=35
